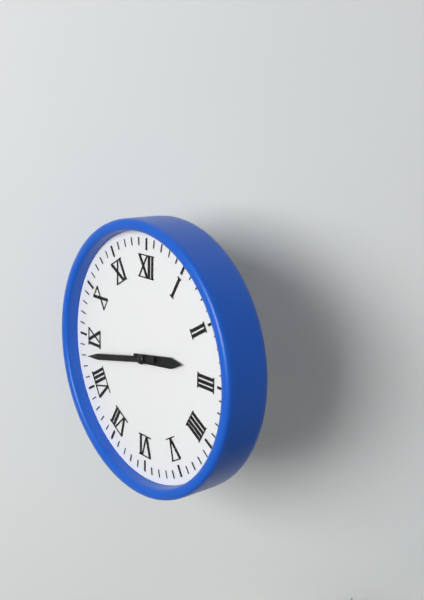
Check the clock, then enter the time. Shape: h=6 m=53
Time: h=2 m=43
